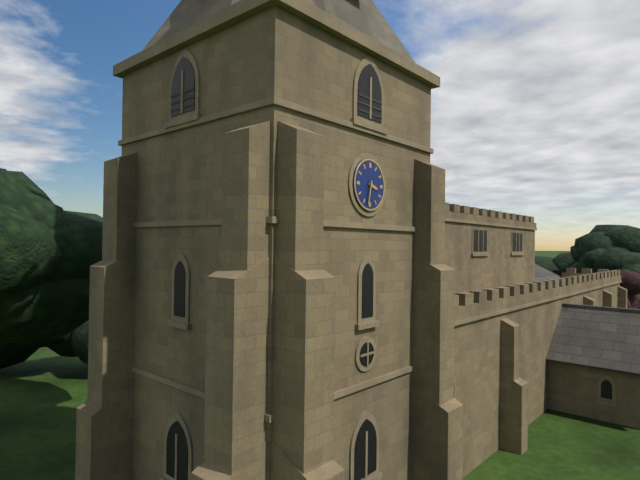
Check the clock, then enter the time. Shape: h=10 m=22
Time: h=3 m=32
